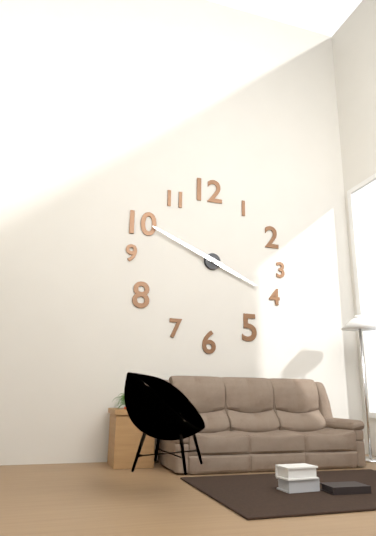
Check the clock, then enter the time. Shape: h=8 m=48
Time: h=3 m=49
